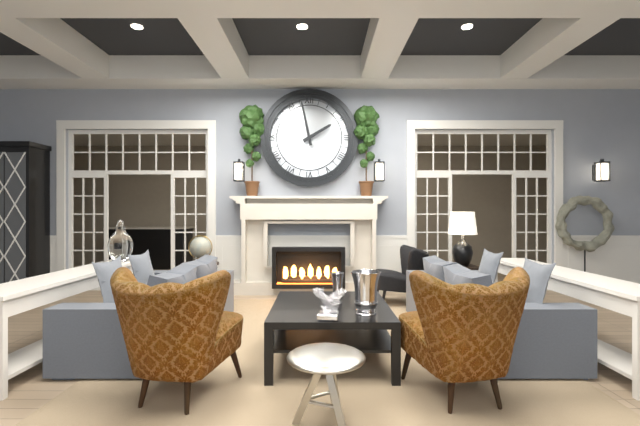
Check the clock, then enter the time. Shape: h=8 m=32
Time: h=1 m=58
